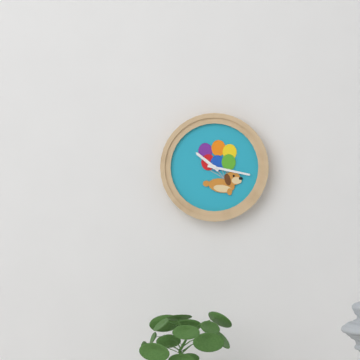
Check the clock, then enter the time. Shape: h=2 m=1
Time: h=10 m=17
